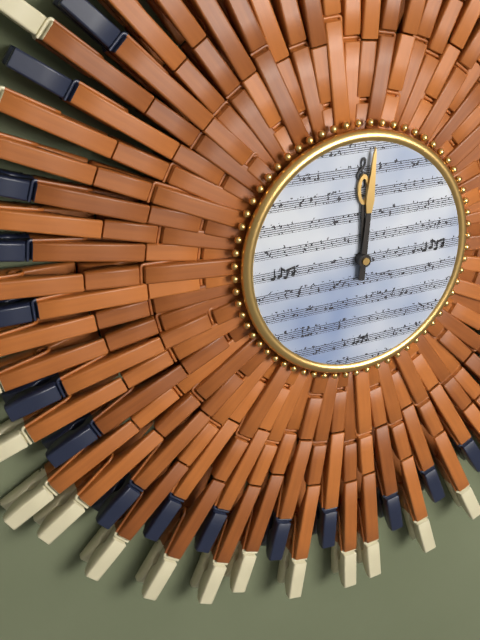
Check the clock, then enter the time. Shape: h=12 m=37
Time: h=12 m=1
